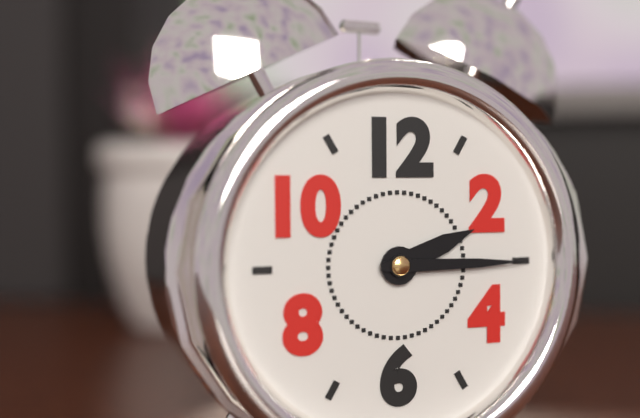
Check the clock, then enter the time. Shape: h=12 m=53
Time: h=2 m=15
